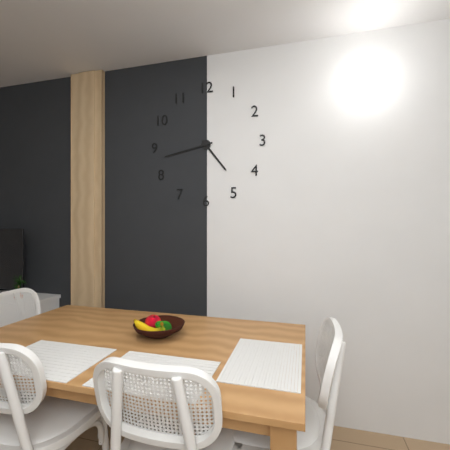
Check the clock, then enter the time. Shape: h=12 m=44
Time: h=4 m=43
